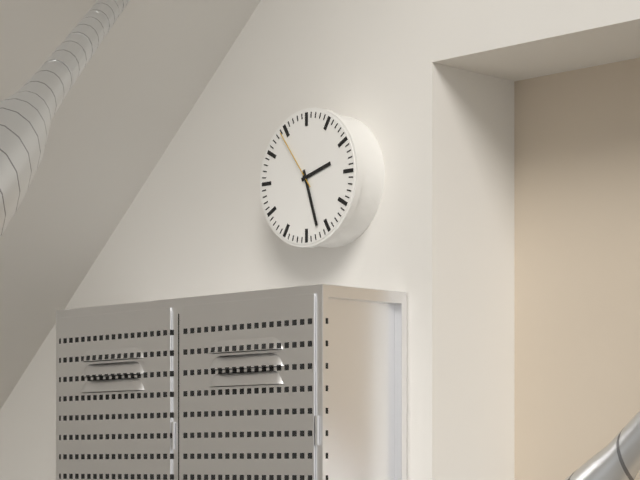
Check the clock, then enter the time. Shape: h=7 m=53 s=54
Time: h=2 m=27 s=54
